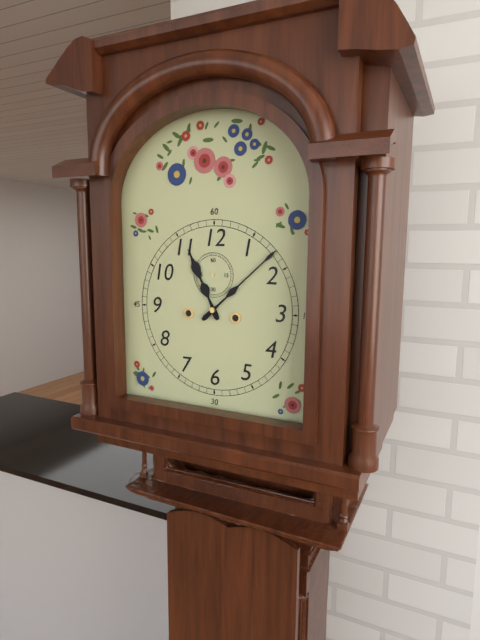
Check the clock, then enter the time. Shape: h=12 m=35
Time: h=11 m=8
